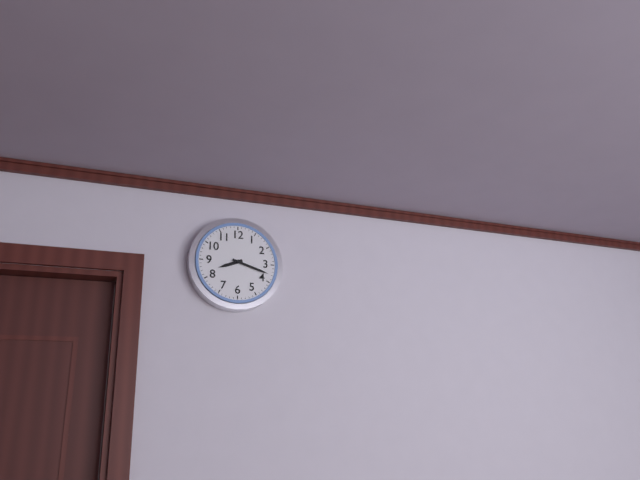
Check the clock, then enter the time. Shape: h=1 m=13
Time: h=8 m=18
